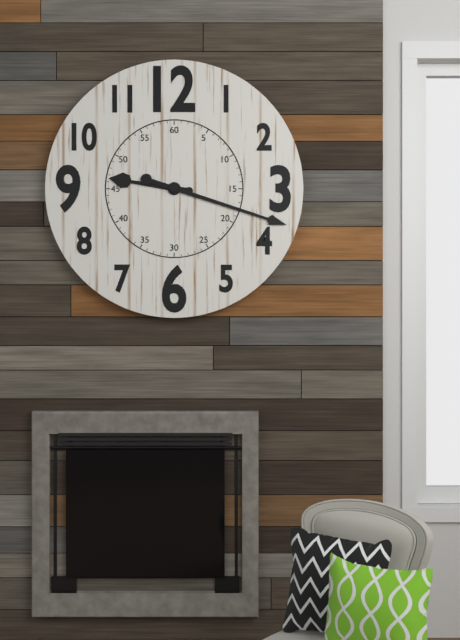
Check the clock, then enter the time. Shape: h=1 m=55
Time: h=9 m=18
